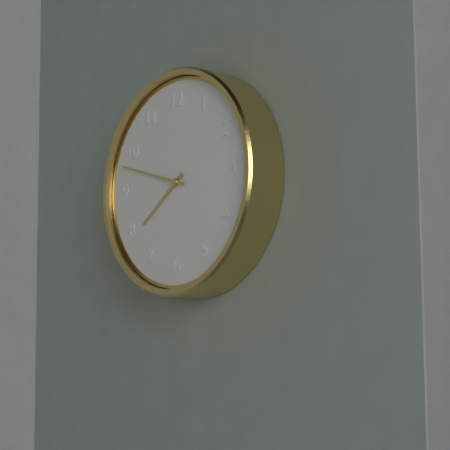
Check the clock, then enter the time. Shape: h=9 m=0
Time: h=7 m=48
